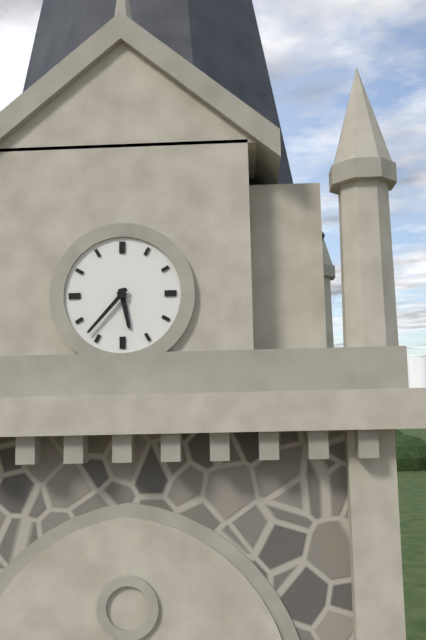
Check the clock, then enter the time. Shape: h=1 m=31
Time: h=5 m=37
